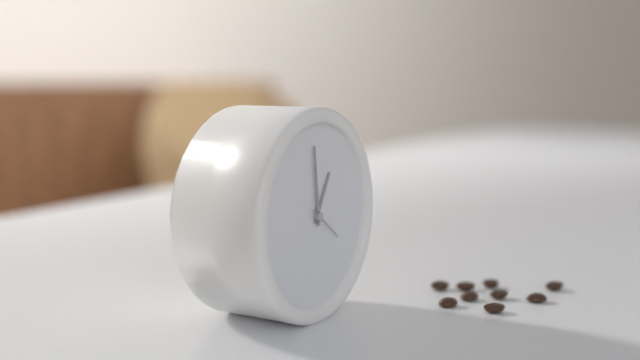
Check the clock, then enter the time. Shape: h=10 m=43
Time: h=12 m=59
